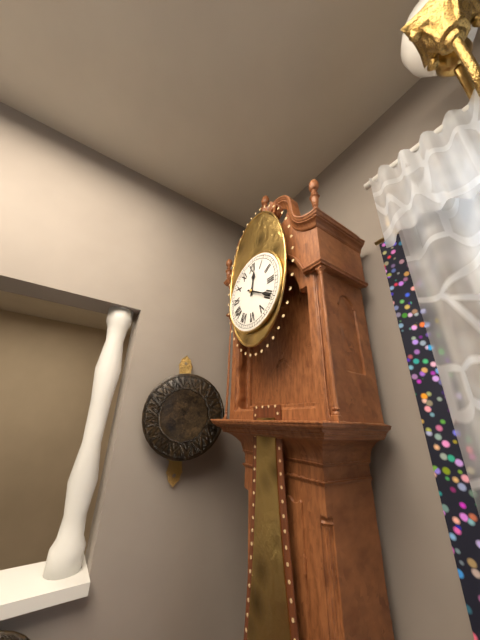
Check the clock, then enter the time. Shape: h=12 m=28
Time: h=12 m=20
